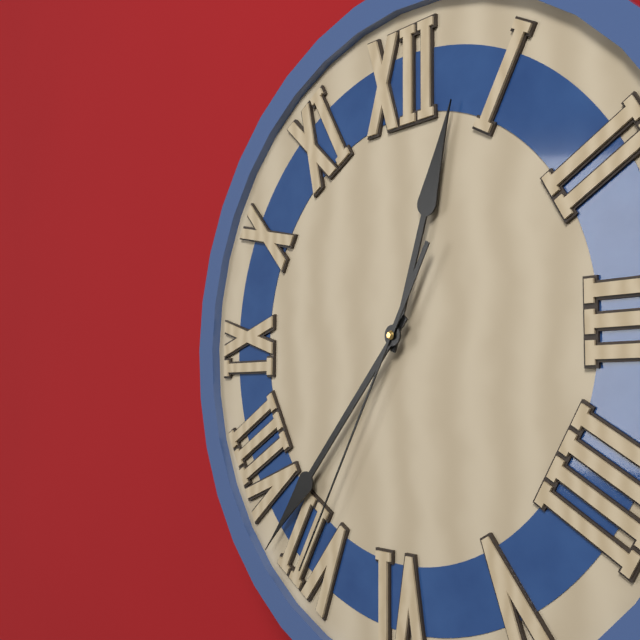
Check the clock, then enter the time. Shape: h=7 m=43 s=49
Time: h=12 m=37 s=35
